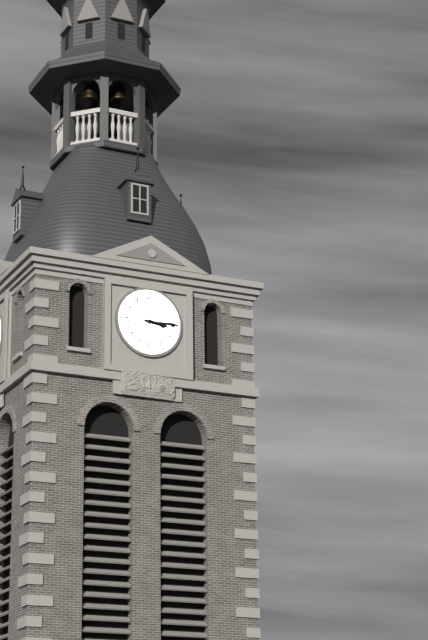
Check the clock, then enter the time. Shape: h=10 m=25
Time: h=3 m=15
